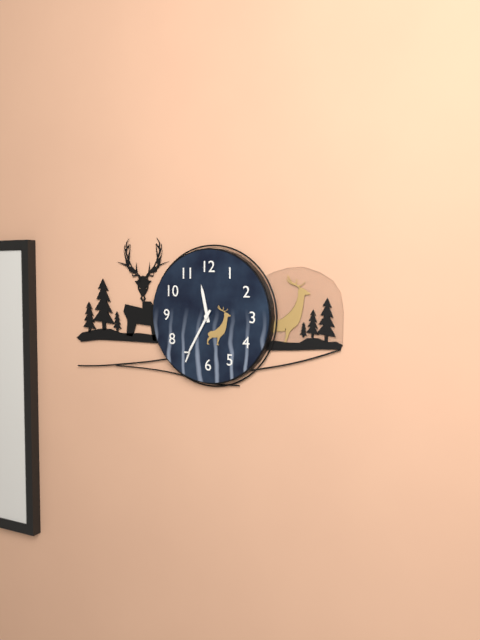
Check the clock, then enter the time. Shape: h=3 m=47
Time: h=11 m=35
